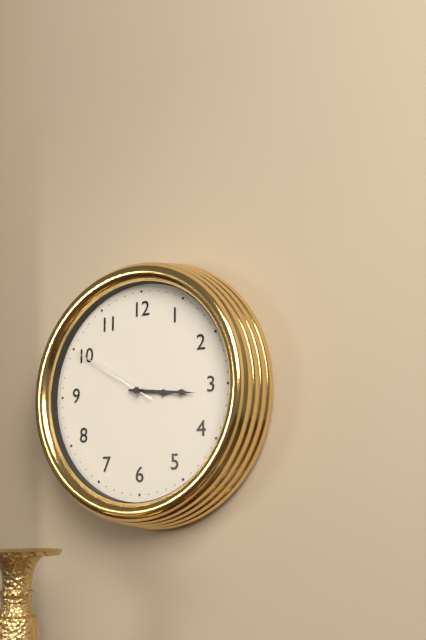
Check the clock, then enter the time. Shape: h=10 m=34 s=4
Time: h=3 m=16 s=50
